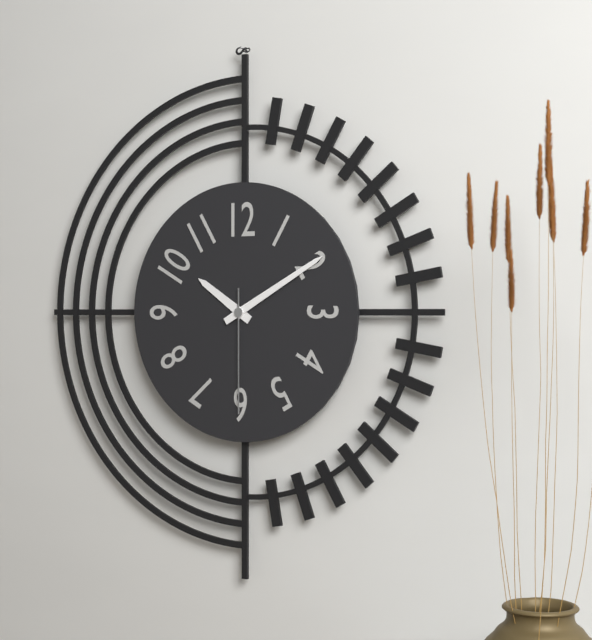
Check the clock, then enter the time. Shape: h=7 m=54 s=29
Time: h=10 m=10 s=30
